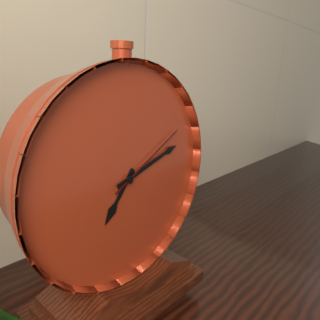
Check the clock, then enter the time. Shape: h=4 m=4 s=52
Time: h=7 m=12 s=10
